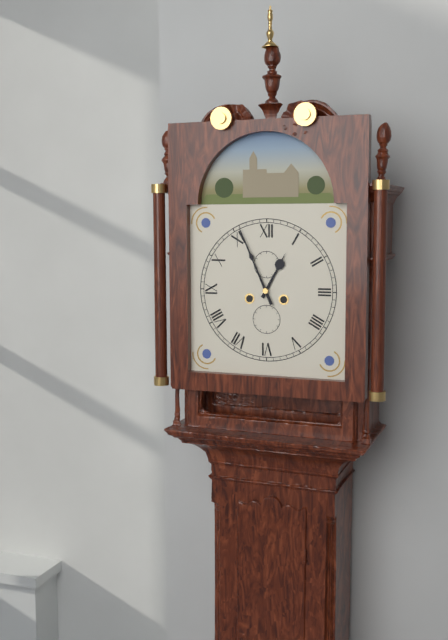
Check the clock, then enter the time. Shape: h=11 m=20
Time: h=12 m=56
